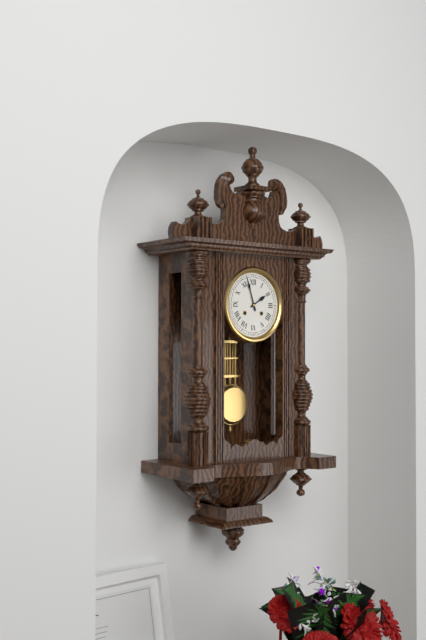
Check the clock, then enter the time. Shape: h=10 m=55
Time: h=1 m=57
